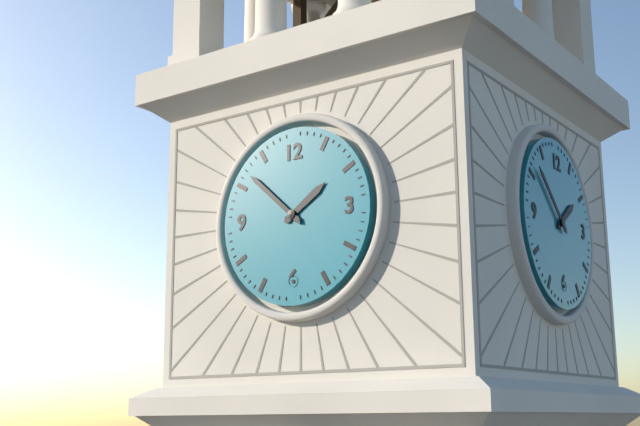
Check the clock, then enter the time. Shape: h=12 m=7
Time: h=1 m=52
